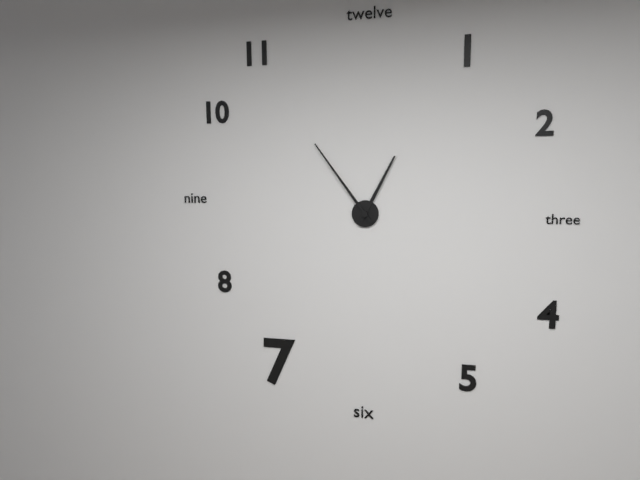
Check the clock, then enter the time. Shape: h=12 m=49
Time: h=12 m=54
